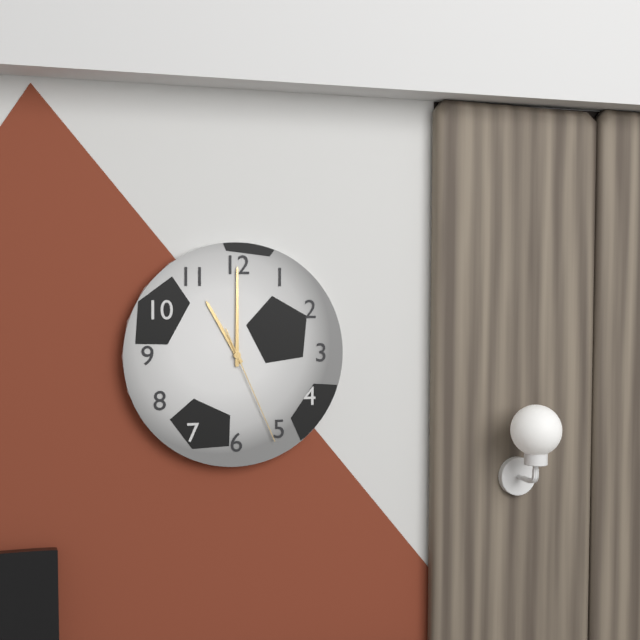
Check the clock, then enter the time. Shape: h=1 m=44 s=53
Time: h=11 m=0 s=26
